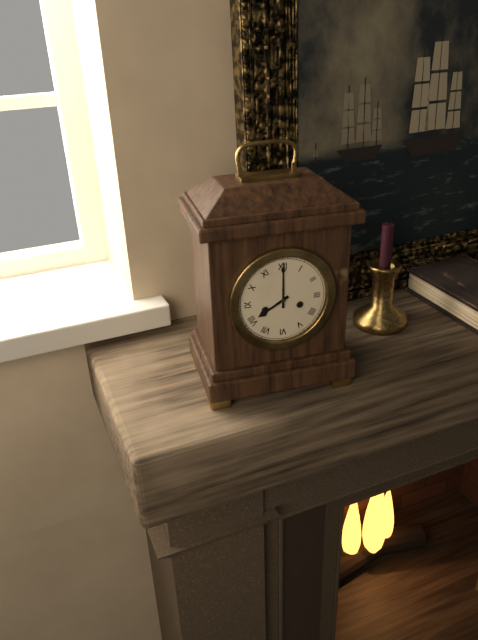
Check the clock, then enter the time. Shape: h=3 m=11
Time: h=8 m=0
